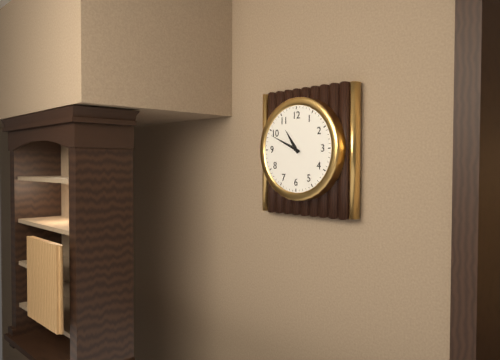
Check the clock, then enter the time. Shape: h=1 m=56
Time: h=10 m=49
